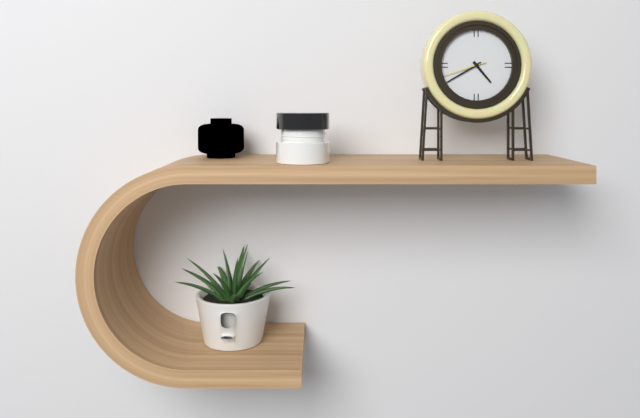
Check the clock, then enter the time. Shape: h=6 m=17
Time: h=4 m=40
